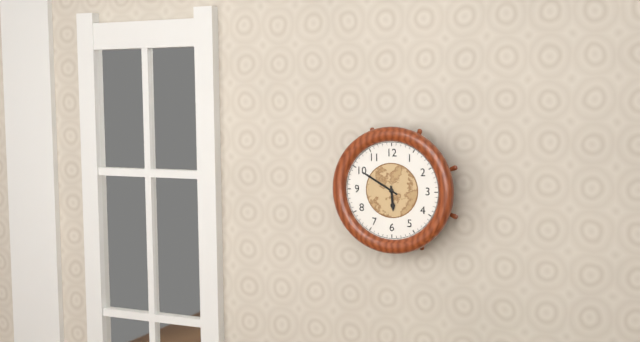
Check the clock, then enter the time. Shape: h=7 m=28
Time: h=5 m=50
